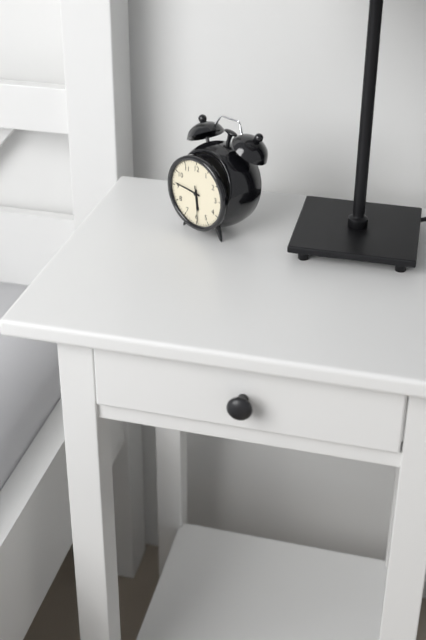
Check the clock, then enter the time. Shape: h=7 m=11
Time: h=5 m=46
